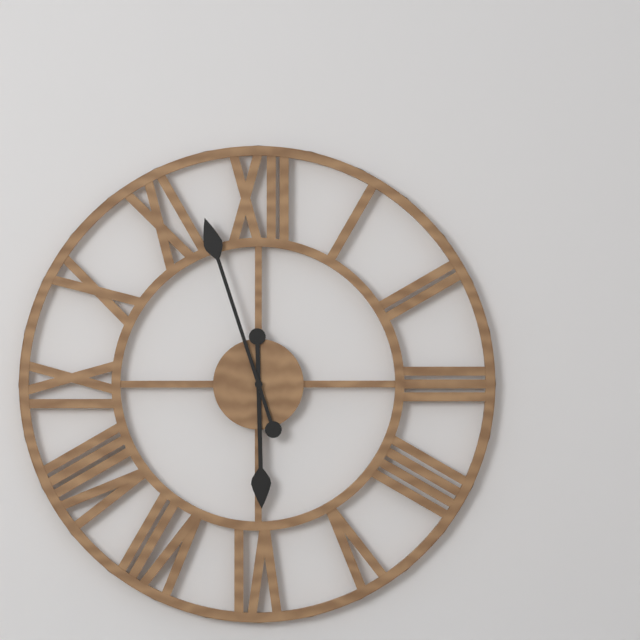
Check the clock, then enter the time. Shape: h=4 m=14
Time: h=5 m=57
